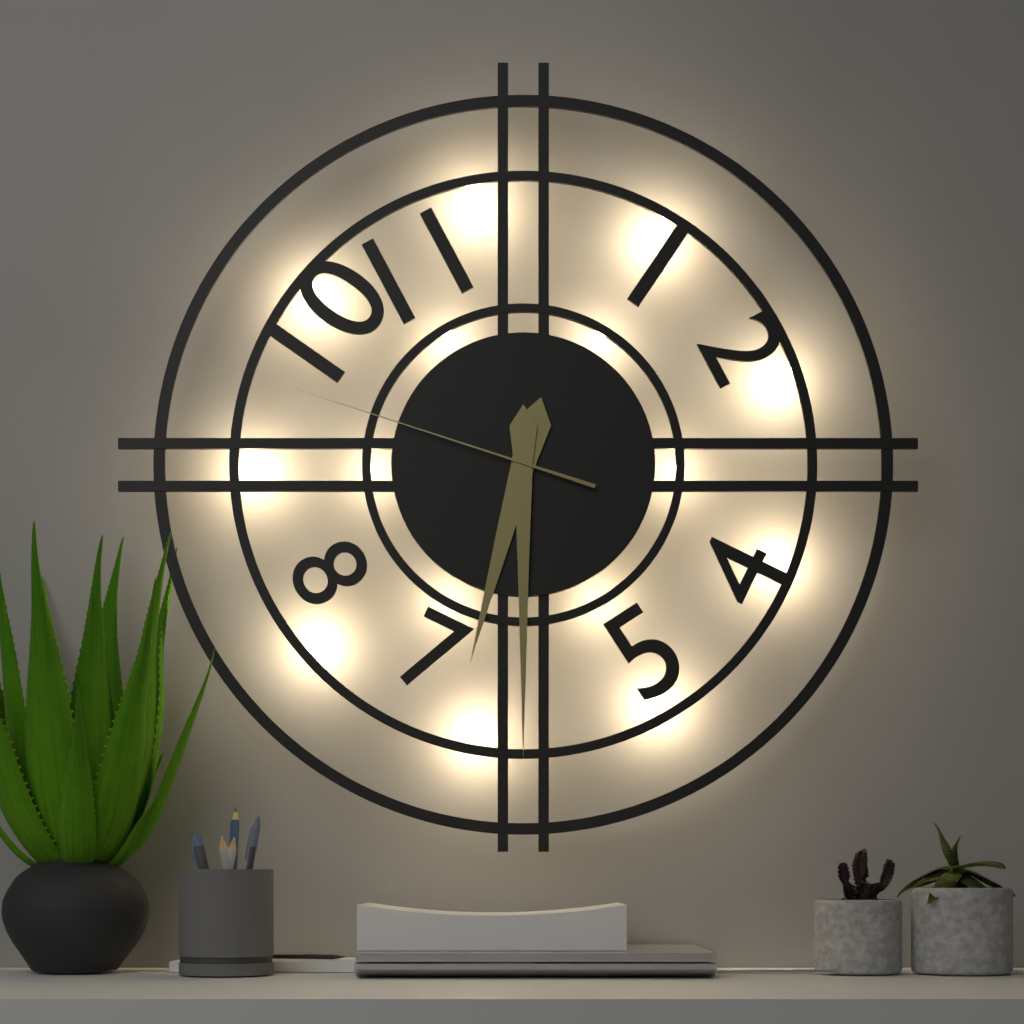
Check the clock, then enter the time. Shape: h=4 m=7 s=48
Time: h=6 m=30 s=48
